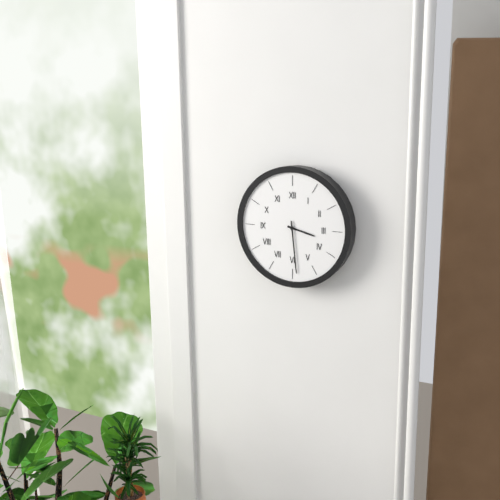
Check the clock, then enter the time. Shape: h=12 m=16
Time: h=3 m=29
